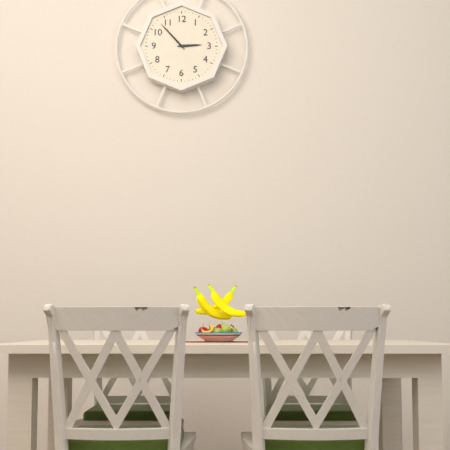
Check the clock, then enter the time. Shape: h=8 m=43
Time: h=2 m=53
